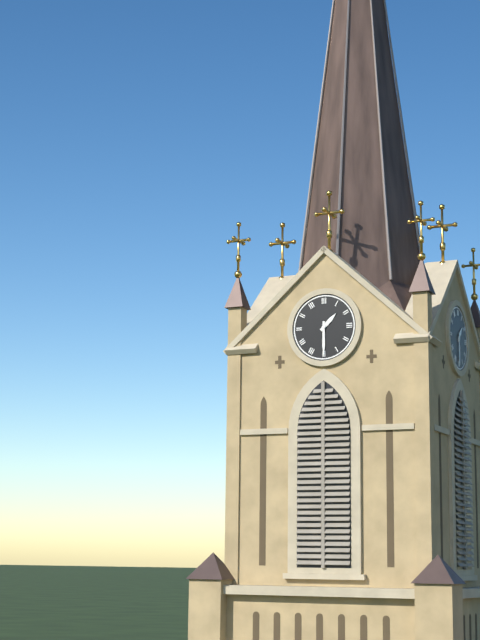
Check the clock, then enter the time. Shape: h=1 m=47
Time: h=1 m=30
